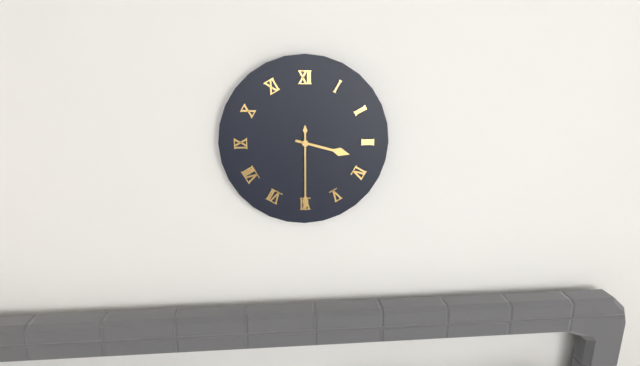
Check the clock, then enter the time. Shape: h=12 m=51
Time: h=3 m=30
